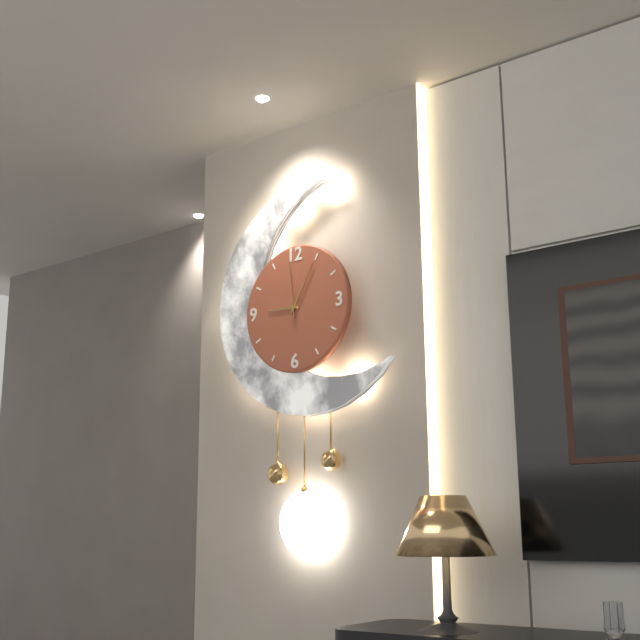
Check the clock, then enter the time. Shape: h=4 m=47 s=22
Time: h=9 m=5 s=59
